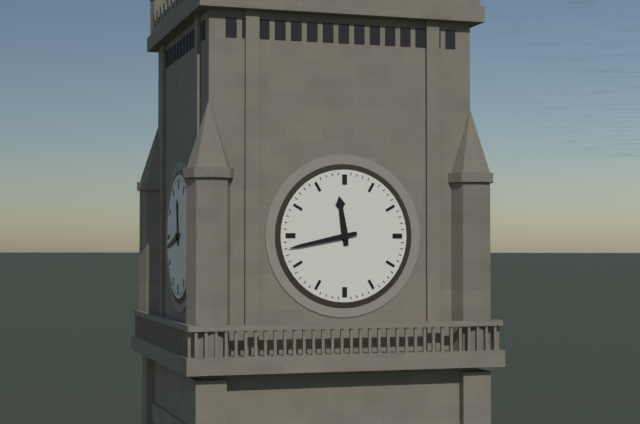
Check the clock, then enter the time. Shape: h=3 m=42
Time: h=11 m=43
